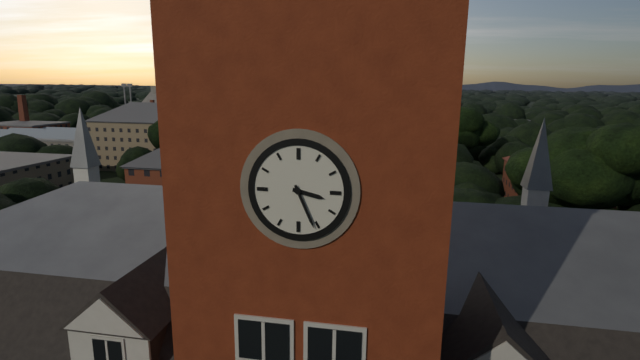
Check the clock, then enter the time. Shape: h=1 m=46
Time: h=3 m=26
